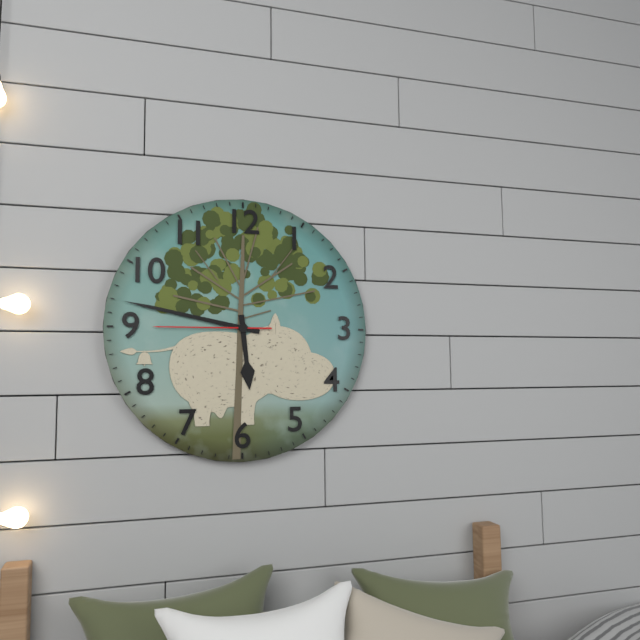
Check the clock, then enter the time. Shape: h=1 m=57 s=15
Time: h=5 m=47 s=45
